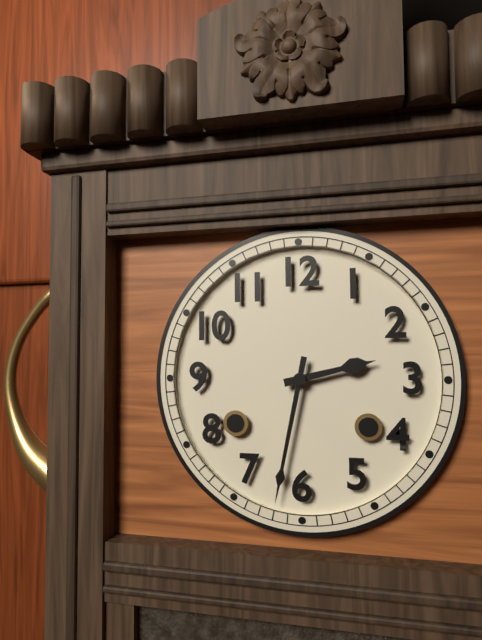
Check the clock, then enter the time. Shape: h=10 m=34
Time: h=2 m=32
